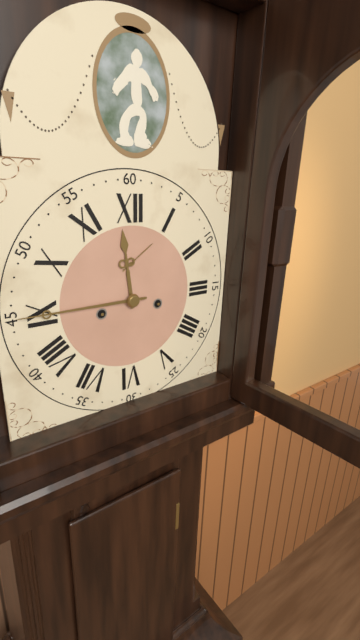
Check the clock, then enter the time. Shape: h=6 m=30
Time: h=11 m=45
